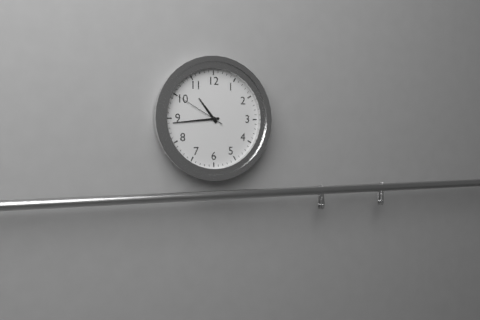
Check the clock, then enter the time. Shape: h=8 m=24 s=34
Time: h=10 m=44 s=50
